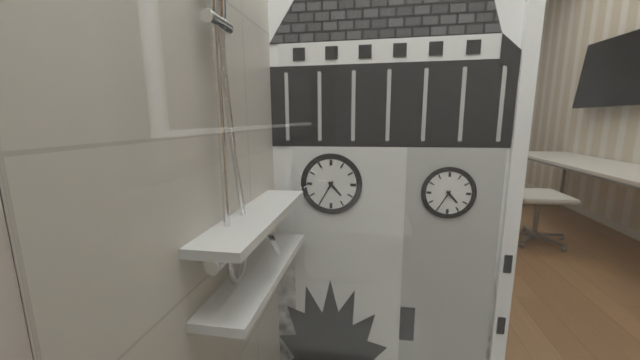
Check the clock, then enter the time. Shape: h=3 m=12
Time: h=4 m=35
